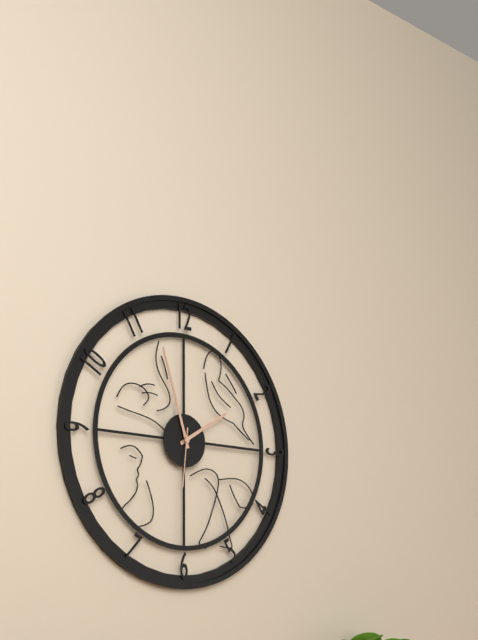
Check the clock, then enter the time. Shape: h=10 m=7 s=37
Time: h=1 m=57 s=31
